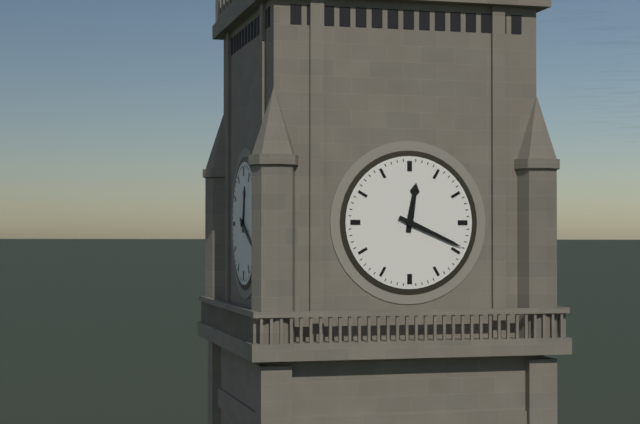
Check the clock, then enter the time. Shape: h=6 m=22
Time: h=12 m=19
